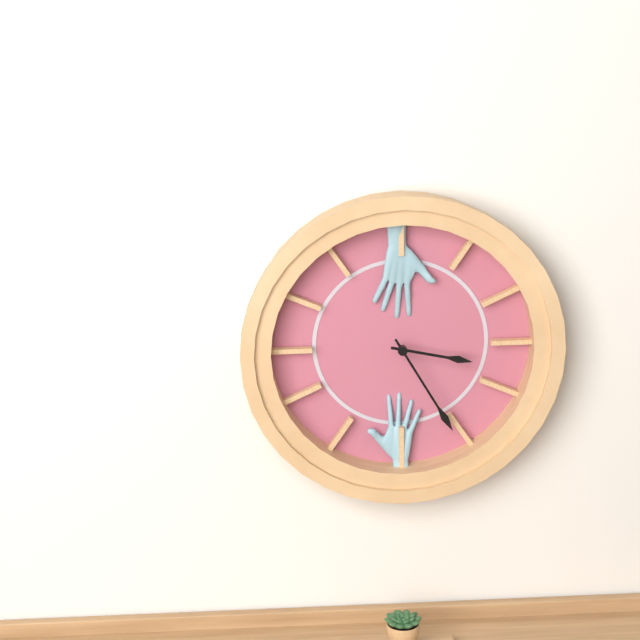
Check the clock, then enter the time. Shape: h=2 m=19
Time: h=3 m=25
